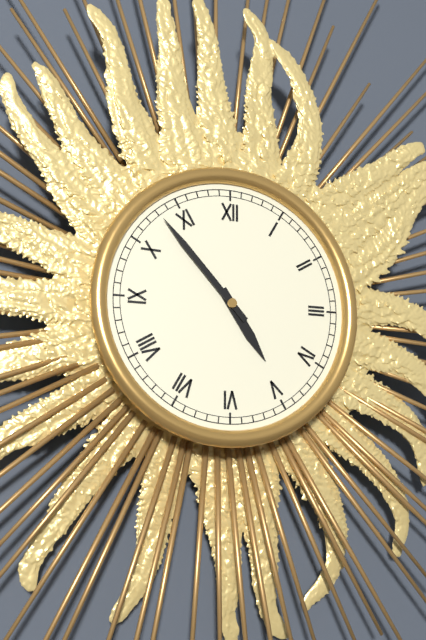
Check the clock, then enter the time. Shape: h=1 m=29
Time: h=4 m=53
